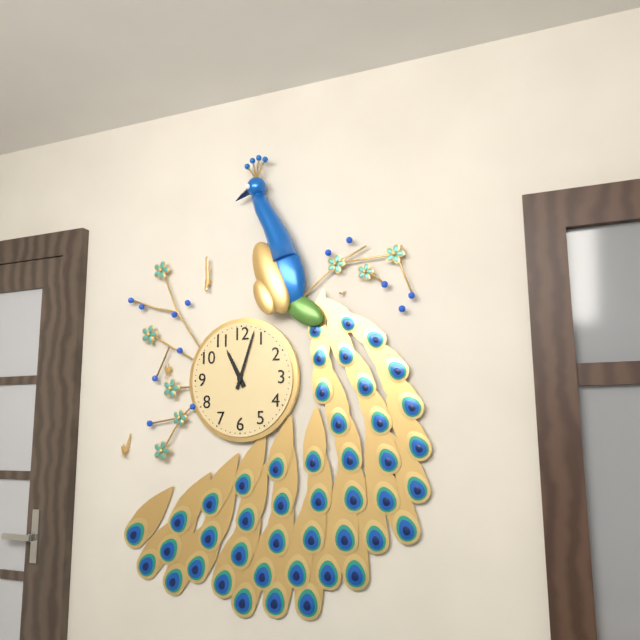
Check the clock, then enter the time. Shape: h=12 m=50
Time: h=11 m=3
